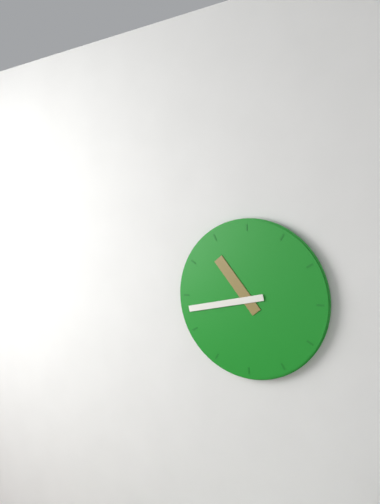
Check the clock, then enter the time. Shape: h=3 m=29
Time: h=10 m=43
